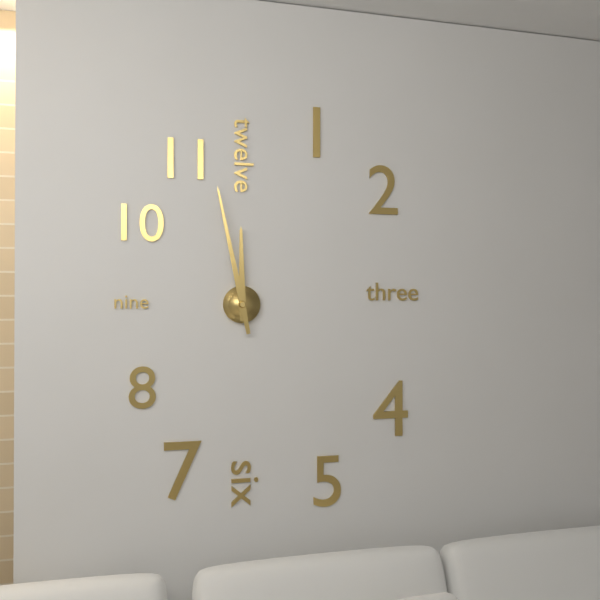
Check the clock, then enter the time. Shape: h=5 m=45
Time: h=11 m=58
